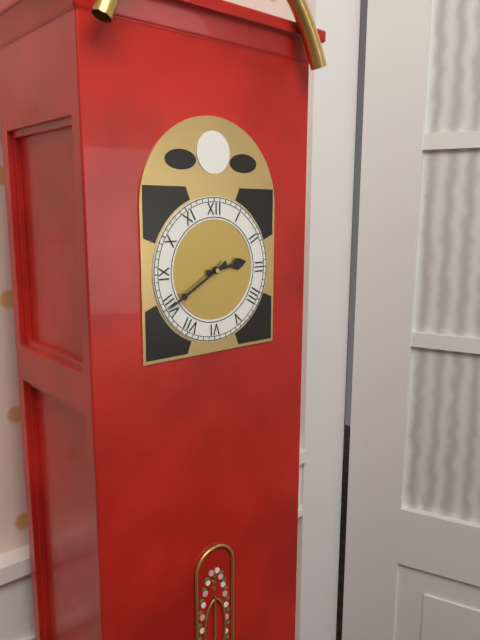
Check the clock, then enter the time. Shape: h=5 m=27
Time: h=2 m=40
